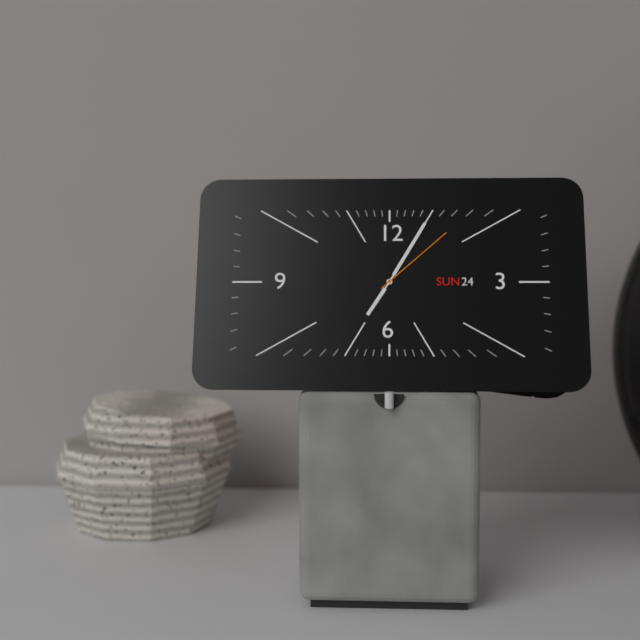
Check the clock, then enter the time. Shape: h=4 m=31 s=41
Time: h=7 m=5 s=8
